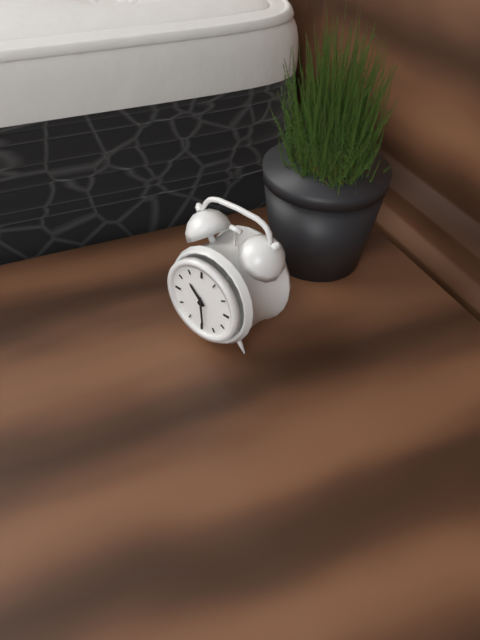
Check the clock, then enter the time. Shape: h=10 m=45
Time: h=10 m=29
